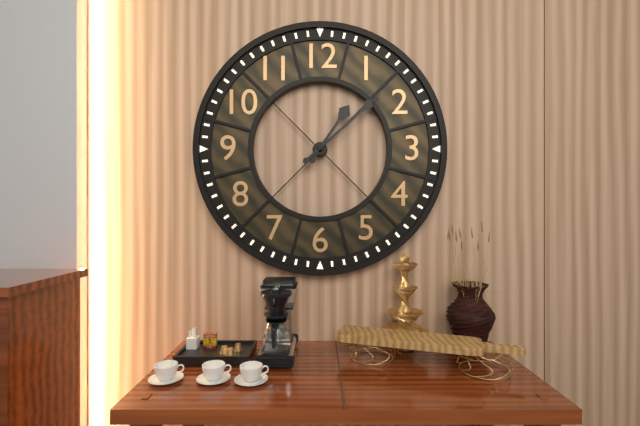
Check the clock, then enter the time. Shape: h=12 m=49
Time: h=1 m=8
